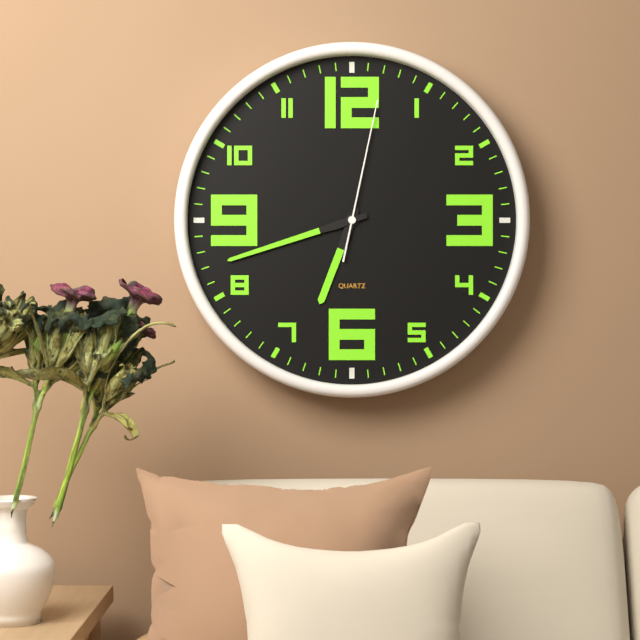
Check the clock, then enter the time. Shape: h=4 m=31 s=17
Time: h=6 m=42 s=2
